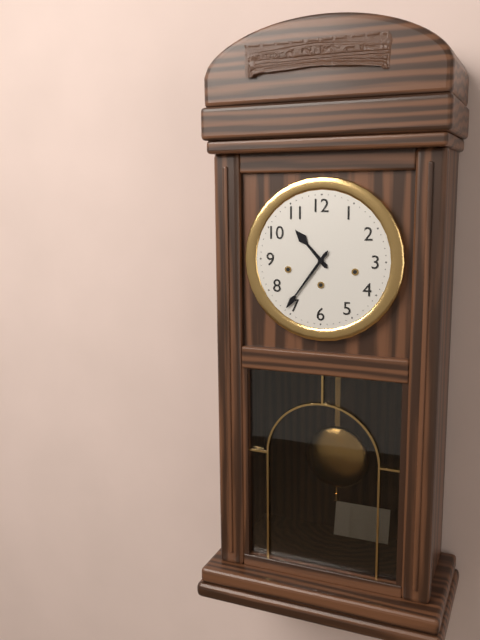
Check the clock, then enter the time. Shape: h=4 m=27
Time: h=10 m=36
